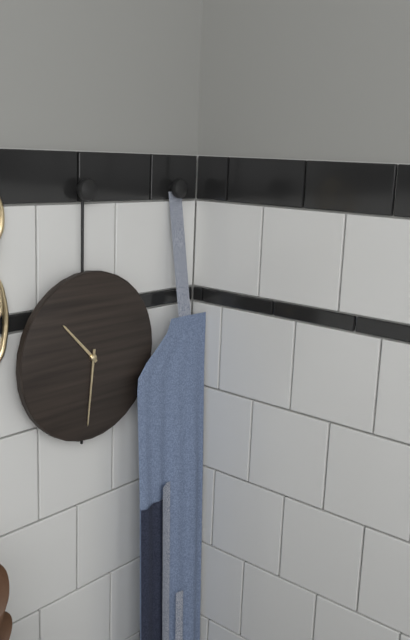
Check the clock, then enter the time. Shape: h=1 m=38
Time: h=10 m=31
